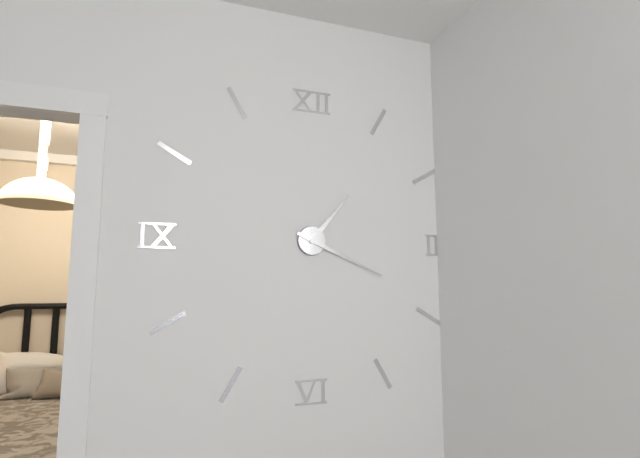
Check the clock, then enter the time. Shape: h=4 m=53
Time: h=1 m=19
